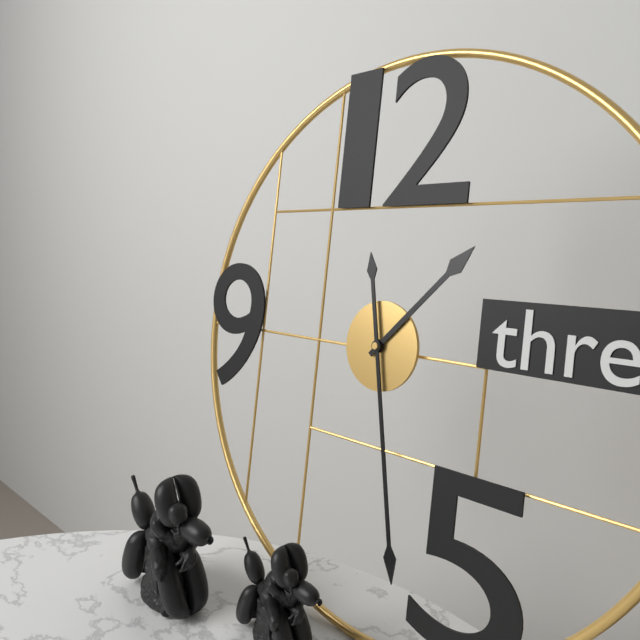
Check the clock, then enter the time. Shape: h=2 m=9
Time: h=1 m=28
